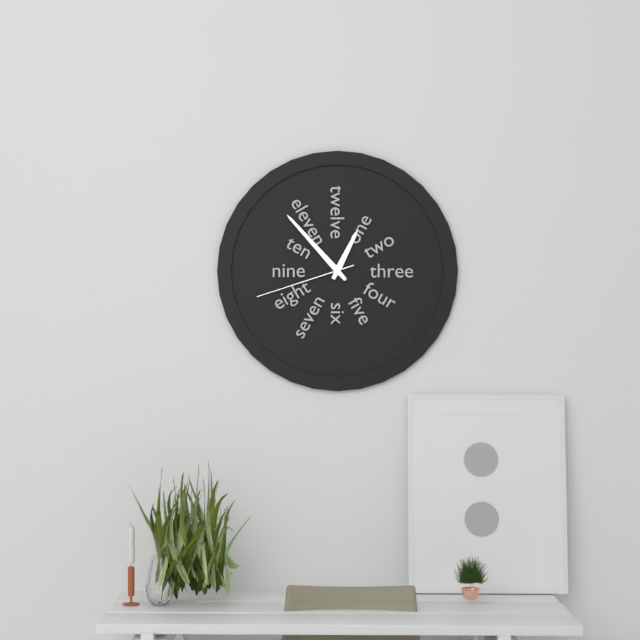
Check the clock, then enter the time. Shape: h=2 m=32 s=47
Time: h=12 m=53 s=42
